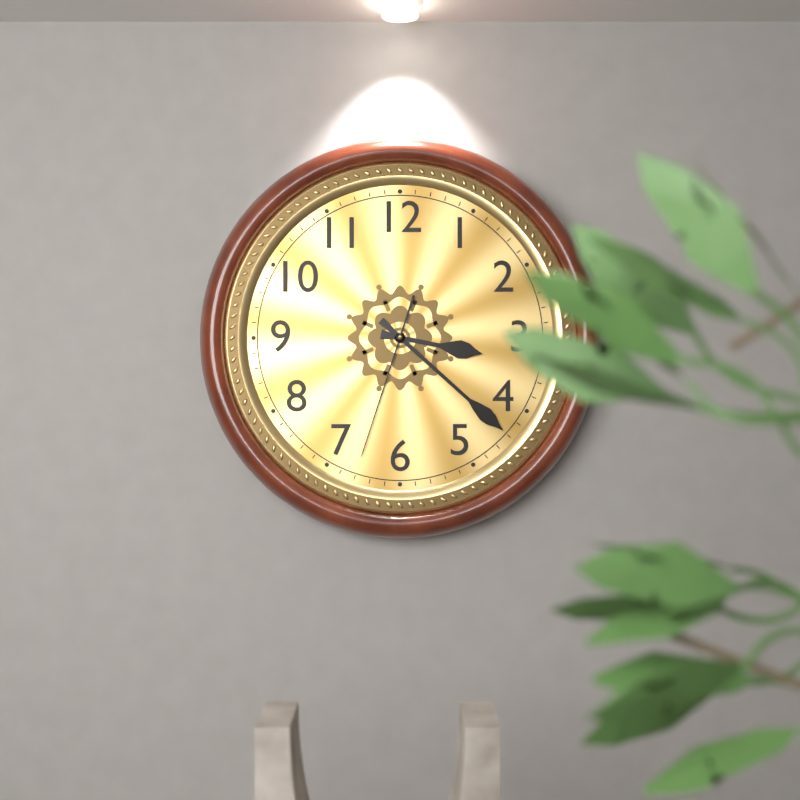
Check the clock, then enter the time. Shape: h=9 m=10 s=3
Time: h=3 m=22 s=33
